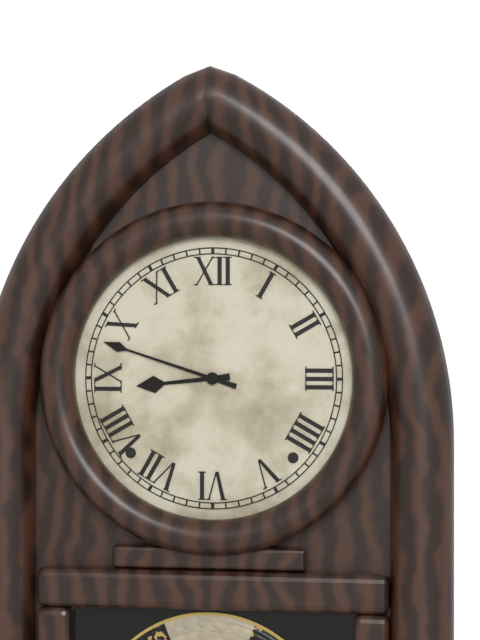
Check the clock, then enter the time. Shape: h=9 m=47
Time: h=8 m=48
